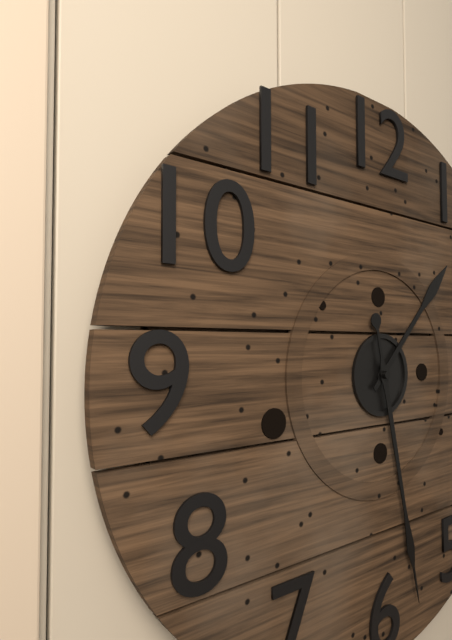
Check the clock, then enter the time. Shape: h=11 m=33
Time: h=1 m=28
